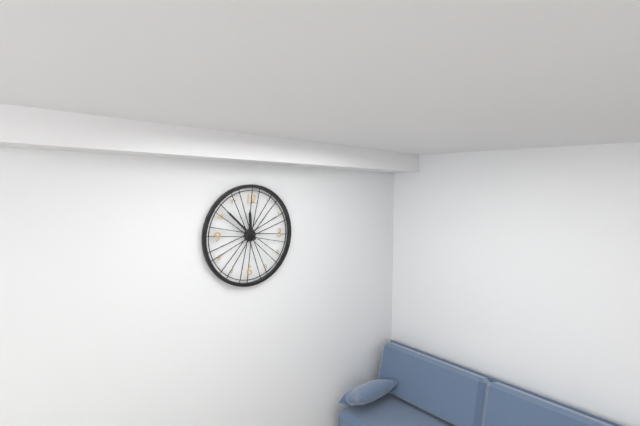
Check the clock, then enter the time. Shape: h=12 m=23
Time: h=11 m=52
